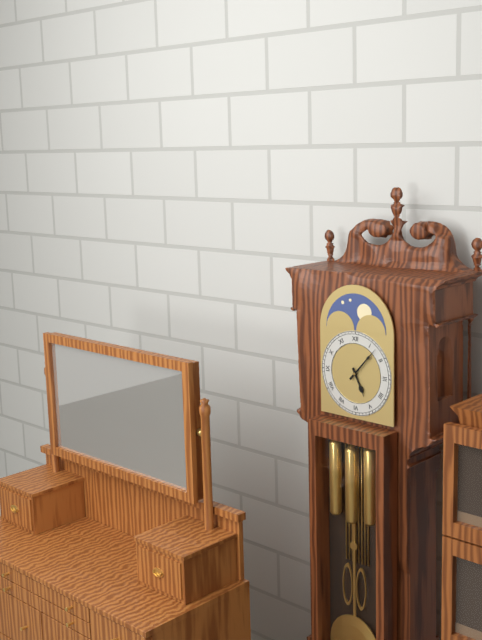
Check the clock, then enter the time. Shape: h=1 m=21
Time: h=5 m=7
